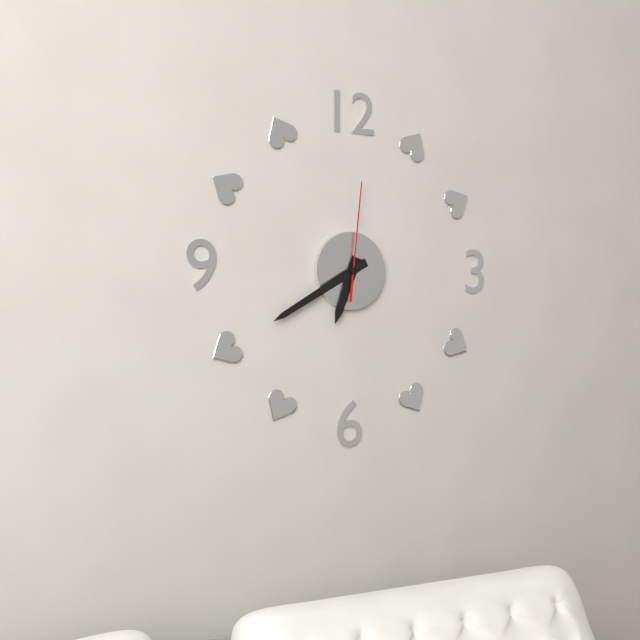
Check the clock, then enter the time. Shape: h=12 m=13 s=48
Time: h=6 m=40 s=1
